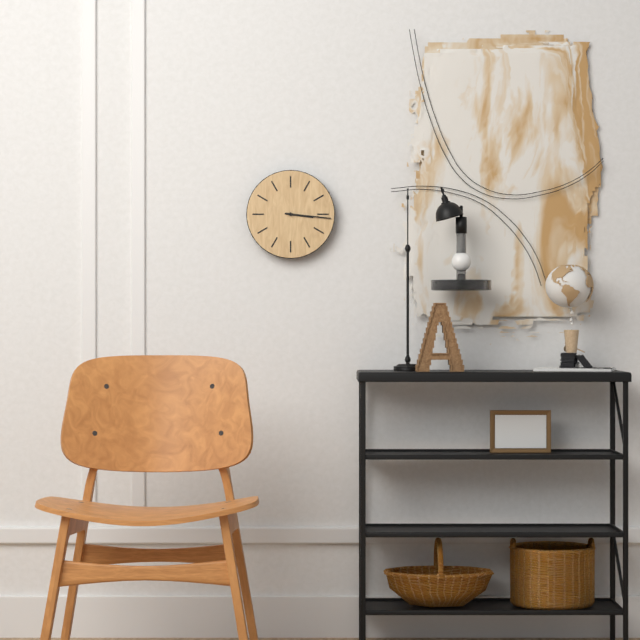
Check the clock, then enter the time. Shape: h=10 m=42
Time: h=3 m=16
